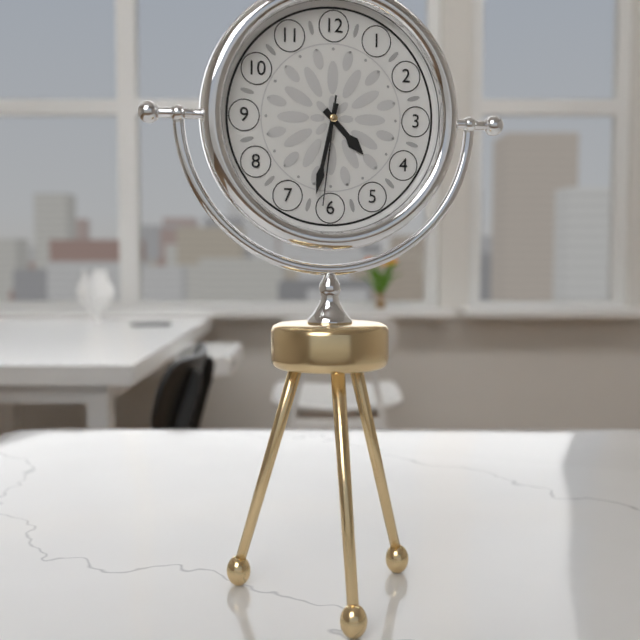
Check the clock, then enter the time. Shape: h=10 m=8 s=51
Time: h=4 m=32 s=31
